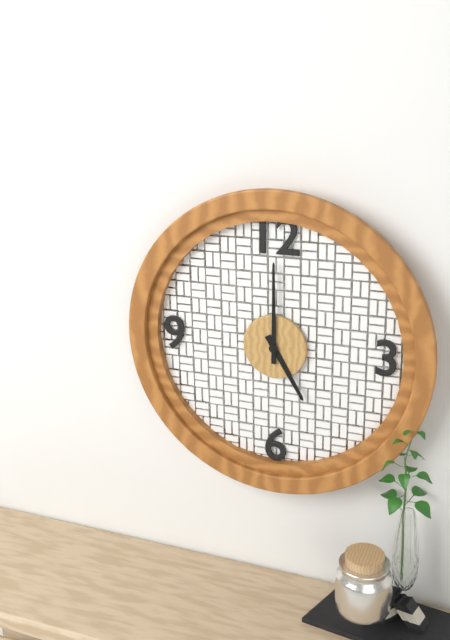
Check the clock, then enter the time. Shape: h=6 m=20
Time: h=5 m=0
